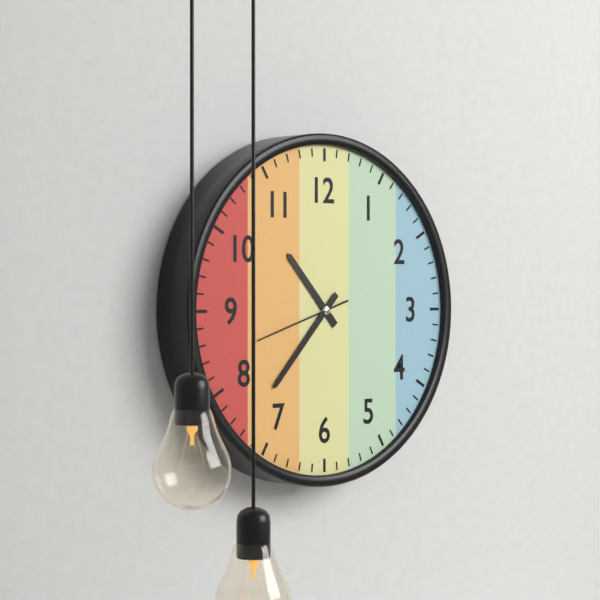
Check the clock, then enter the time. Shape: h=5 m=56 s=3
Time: h=10 m=37 s=42
